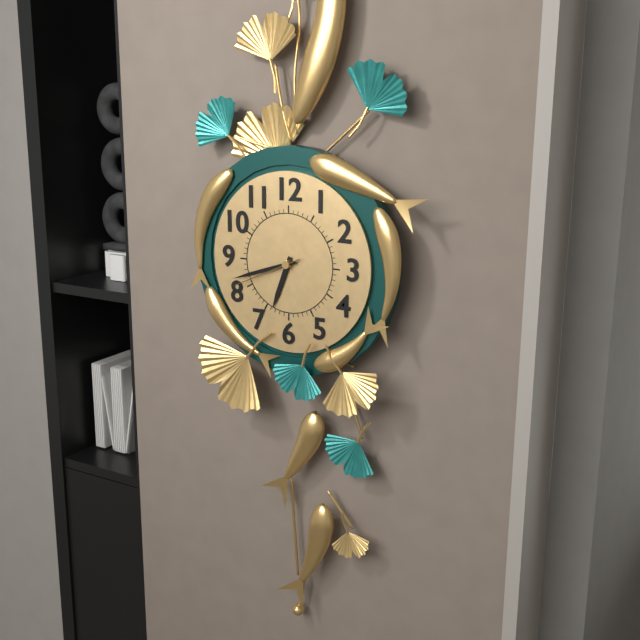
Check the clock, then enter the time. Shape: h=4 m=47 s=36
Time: h=6 m=42 s=41
